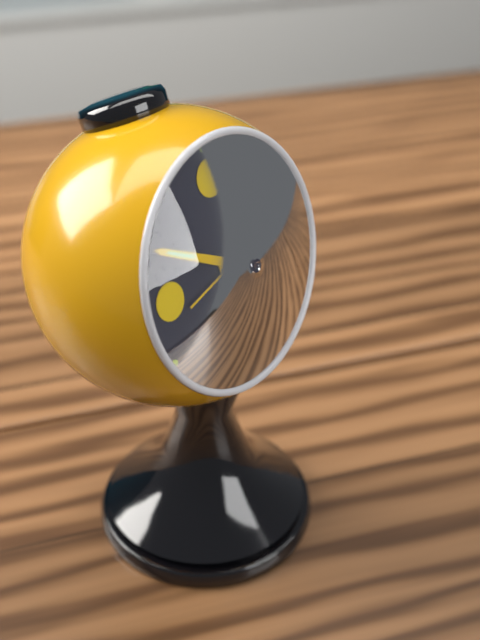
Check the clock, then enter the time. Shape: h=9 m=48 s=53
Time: h=2 m=50 s=13
